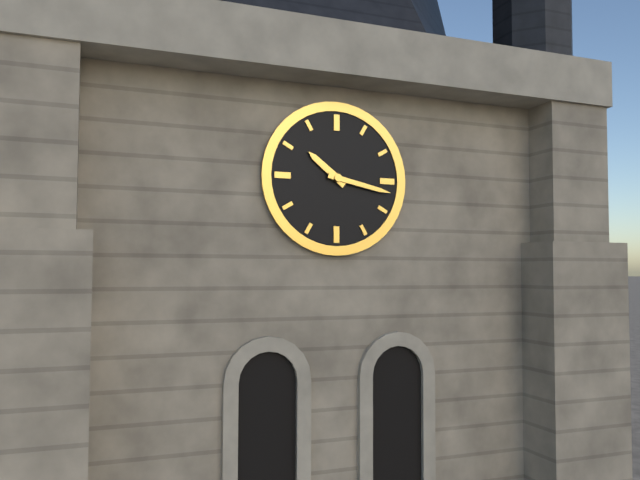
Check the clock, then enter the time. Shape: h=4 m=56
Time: h=10 m=17
